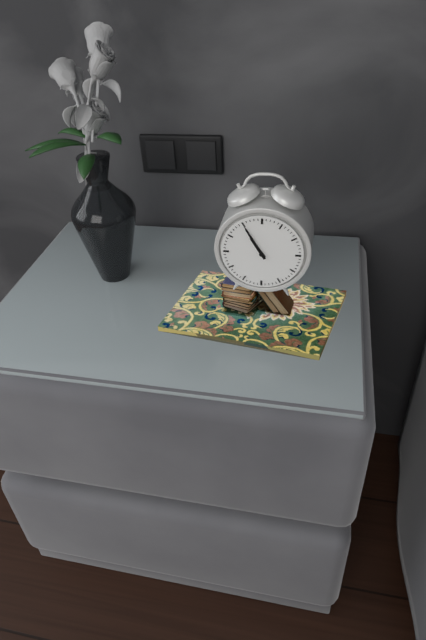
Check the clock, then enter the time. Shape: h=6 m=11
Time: h=10 m=55
